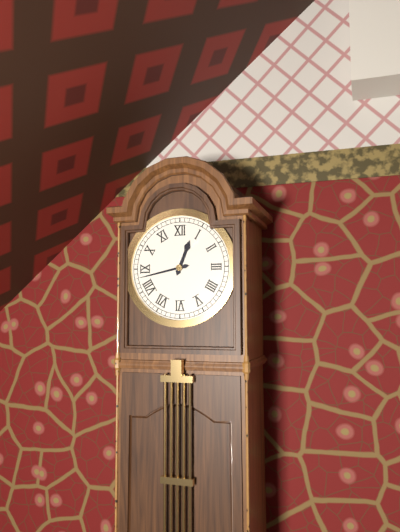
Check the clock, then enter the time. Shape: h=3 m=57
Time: h=12 m=43
